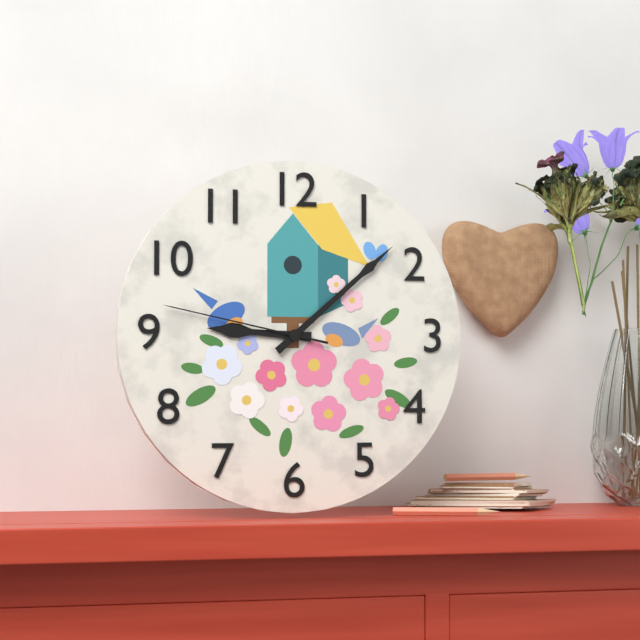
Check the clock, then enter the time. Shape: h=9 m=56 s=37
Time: h=9 m=8 s=47
